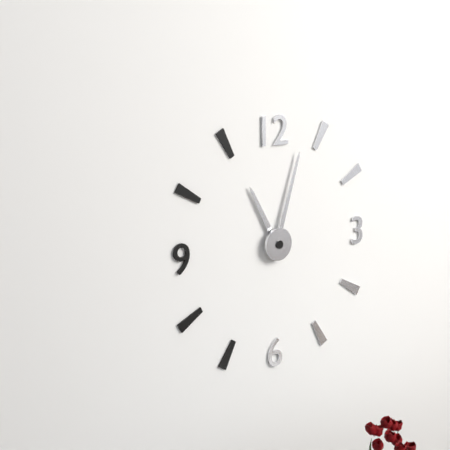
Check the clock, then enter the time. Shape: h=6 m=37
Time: h=11 m=3
